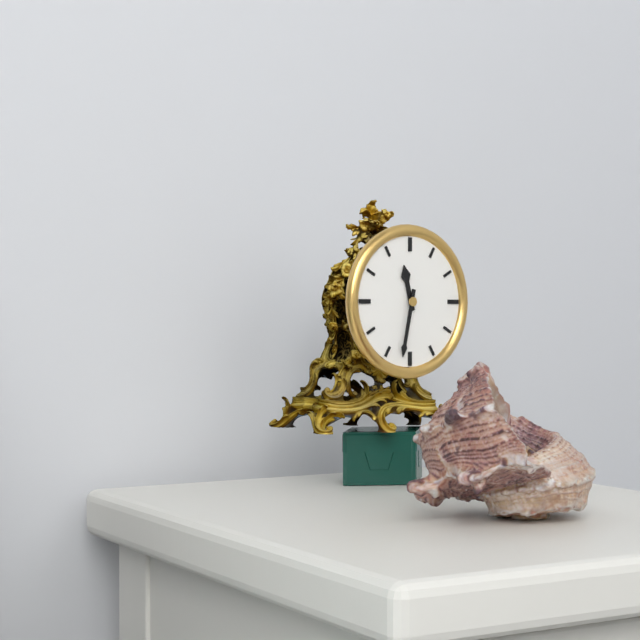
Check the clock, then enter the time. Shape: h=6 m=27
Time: h=11 m=32
